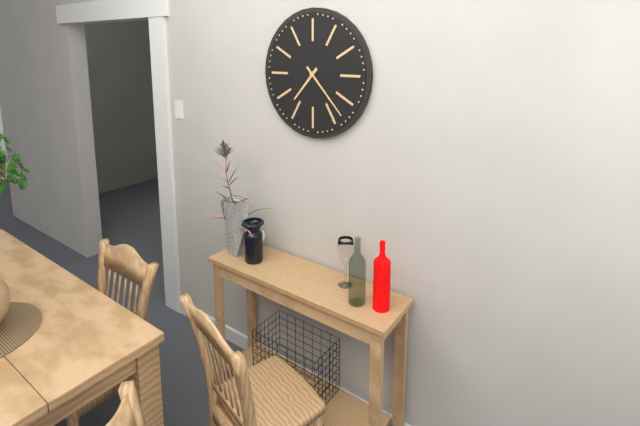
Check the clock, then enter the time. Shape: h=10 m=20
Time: h=7 m=23
